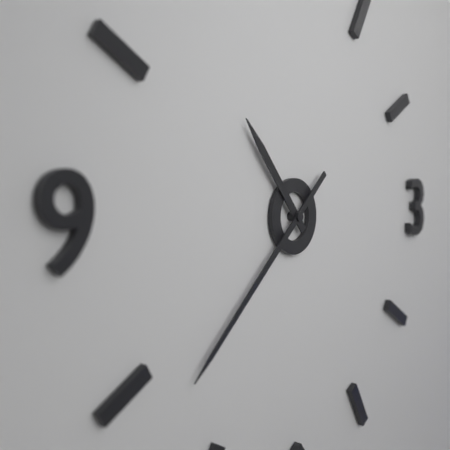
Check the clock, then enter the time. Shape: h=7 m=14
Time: h=10 m=38
